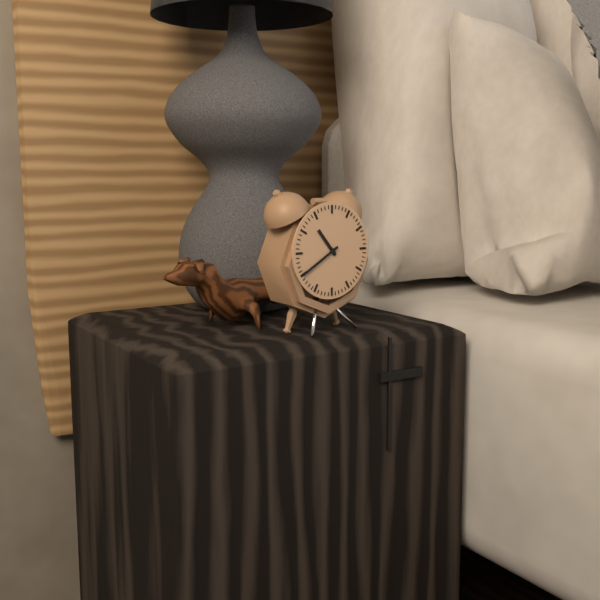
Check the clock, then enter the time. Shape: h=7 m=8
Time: h=10 m=40
